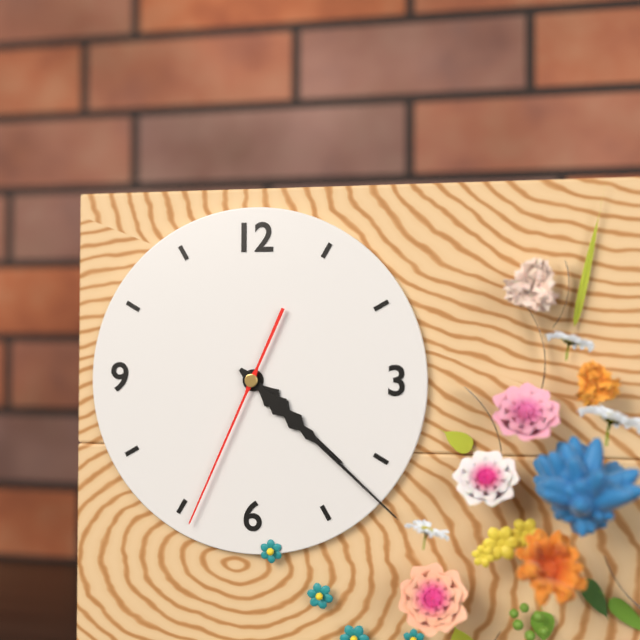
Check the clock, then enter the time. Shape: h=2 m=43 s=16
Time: h=4 m=22 s=34
